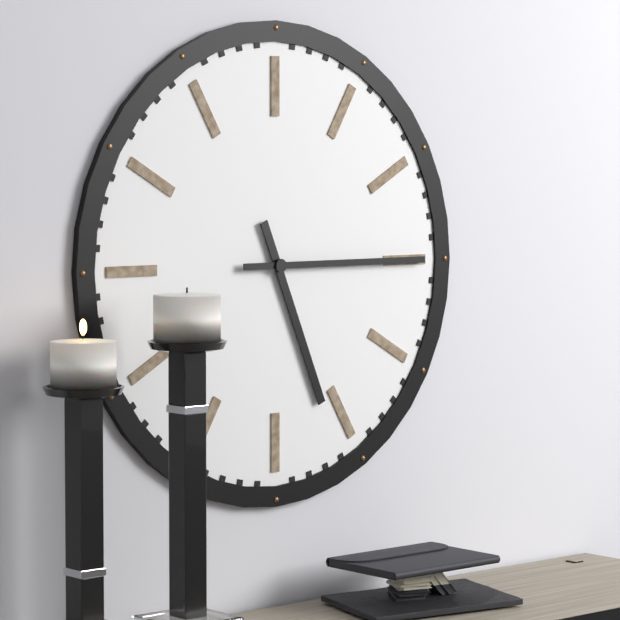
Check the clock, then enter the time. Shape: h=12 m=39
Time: h=5 m=15
